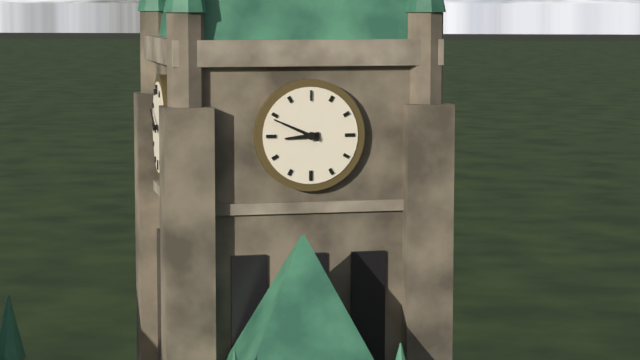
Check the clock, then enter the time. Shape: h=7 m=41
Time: h=8 m=49
